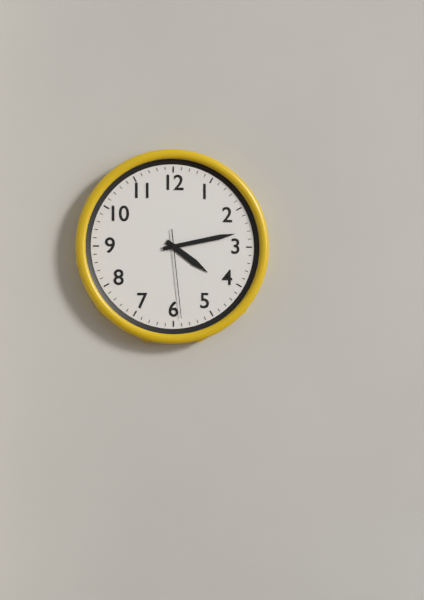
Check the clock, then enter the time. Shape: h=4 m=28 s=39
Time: h=4 m=13 s=29
